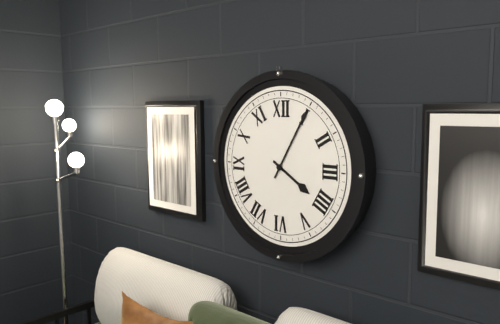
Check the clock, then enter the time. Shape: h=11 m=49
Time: h=4 m=5
